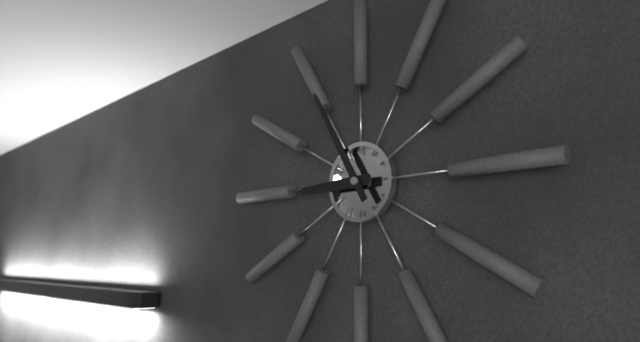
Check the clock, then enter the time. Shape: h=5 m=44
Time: h=8 m=55
